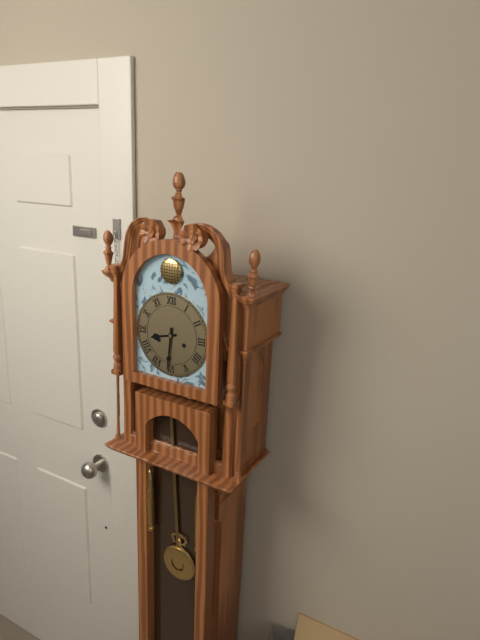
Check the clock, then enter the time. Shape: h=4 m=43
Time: h=8 m=31
